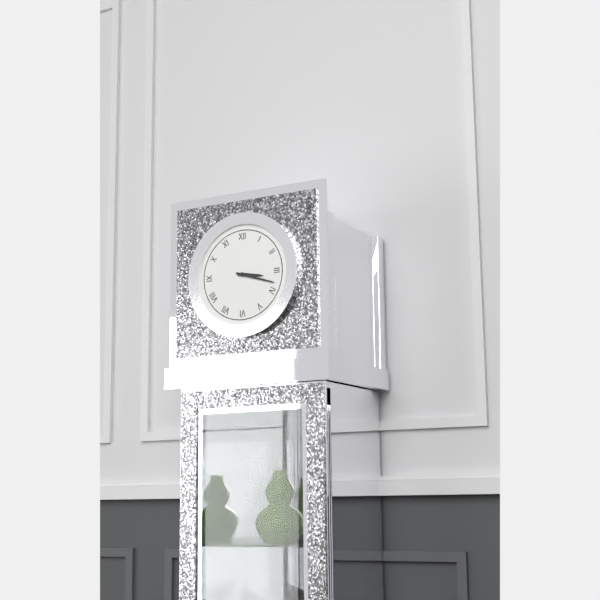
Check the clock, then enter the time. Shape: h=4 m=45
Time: h=3 m=18
